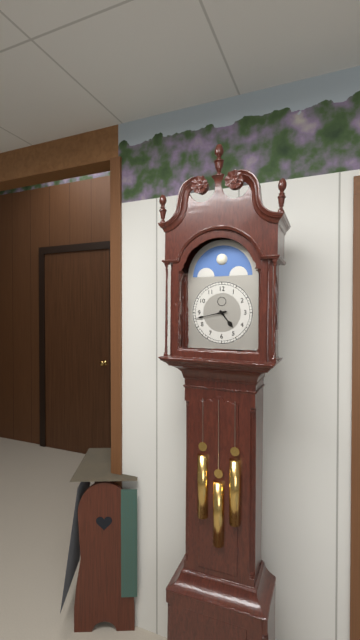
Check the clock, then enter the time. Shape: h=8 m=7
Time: h=4 m=43
